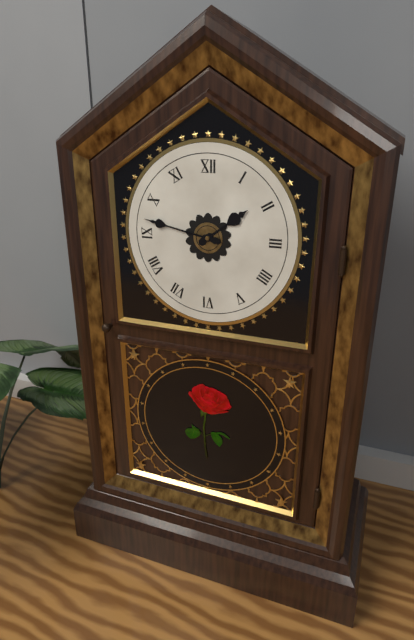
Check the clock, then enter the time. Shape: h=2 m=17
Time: h=1 m=47
